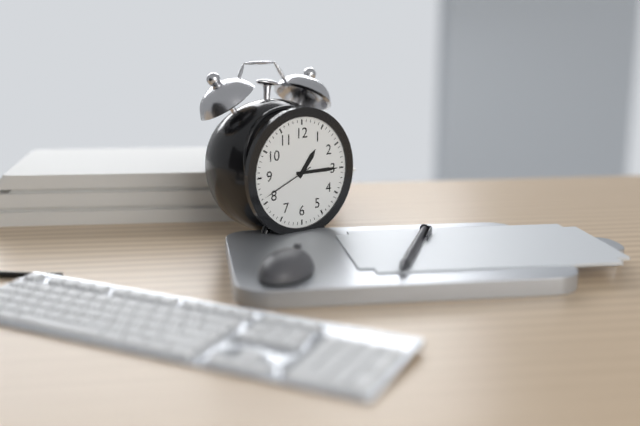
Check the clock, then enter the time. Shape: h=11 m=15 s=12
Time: h=1 m=15 s=41
